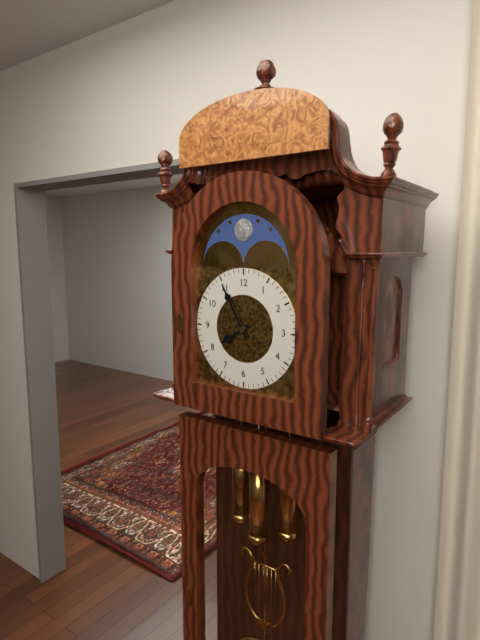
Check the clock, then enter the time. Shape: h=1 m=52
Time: h=7 m=55
